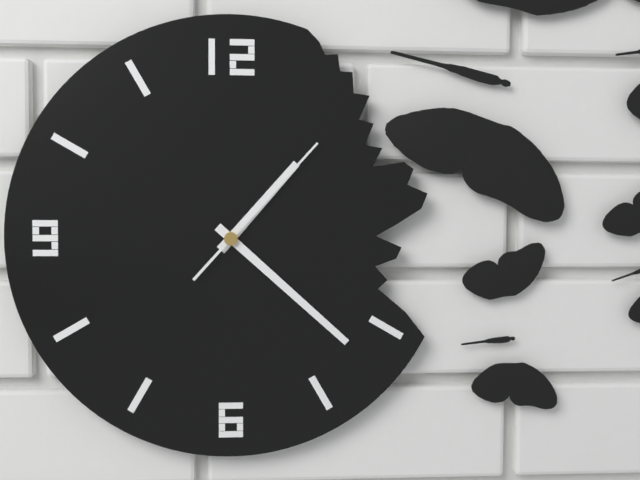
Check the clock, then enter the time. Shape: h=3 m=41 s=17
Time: h=1 m=22 s=7
